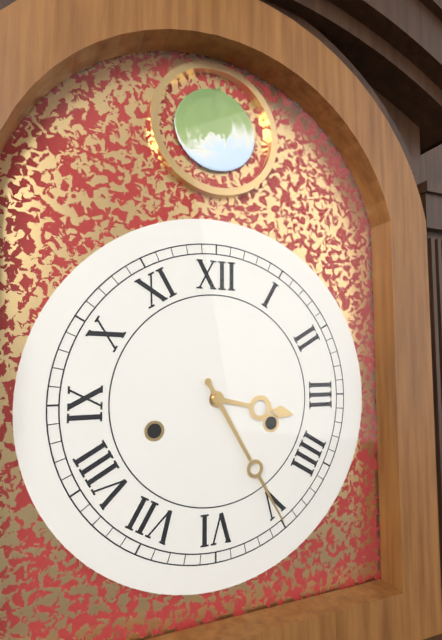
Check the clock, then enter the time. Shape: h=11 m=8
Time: h=3 m=25
